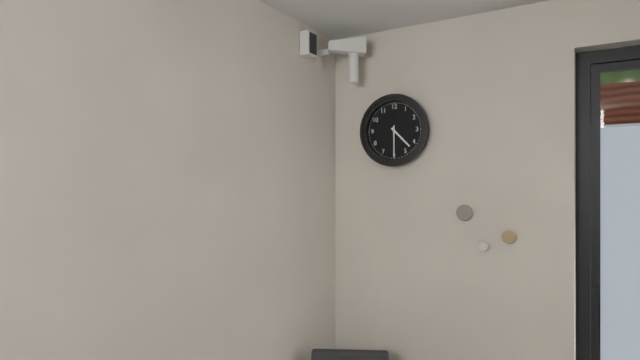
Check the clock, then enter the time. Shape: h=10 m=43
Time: h=4 m=30
